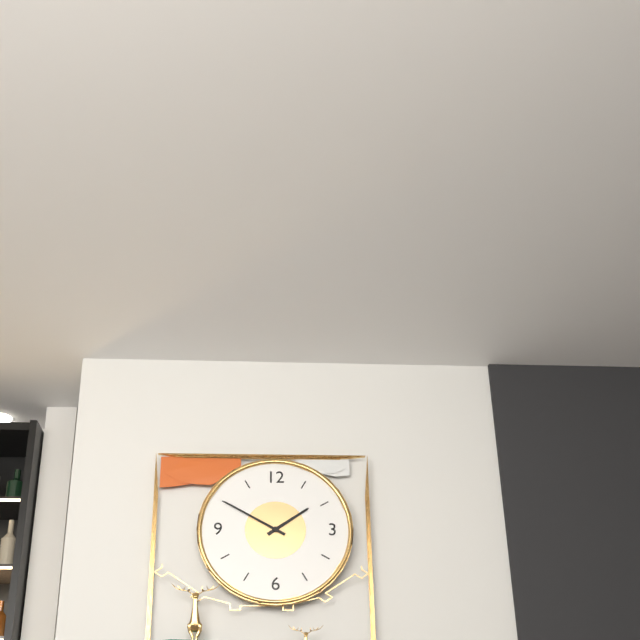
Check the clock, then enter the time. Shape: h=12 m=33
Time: h=1 m=50
